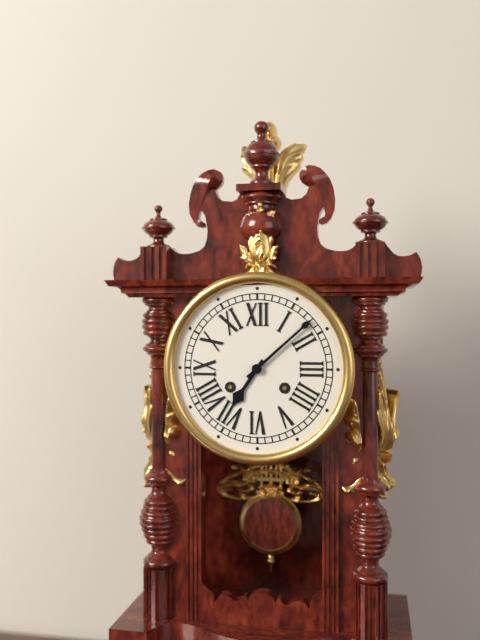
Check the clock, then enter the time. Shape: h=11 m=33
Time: h=7 m=8
